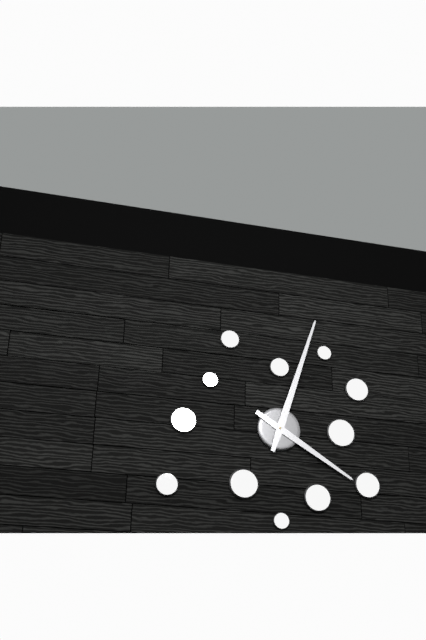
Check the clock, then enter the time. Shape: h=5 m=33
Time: h=4 m=3
